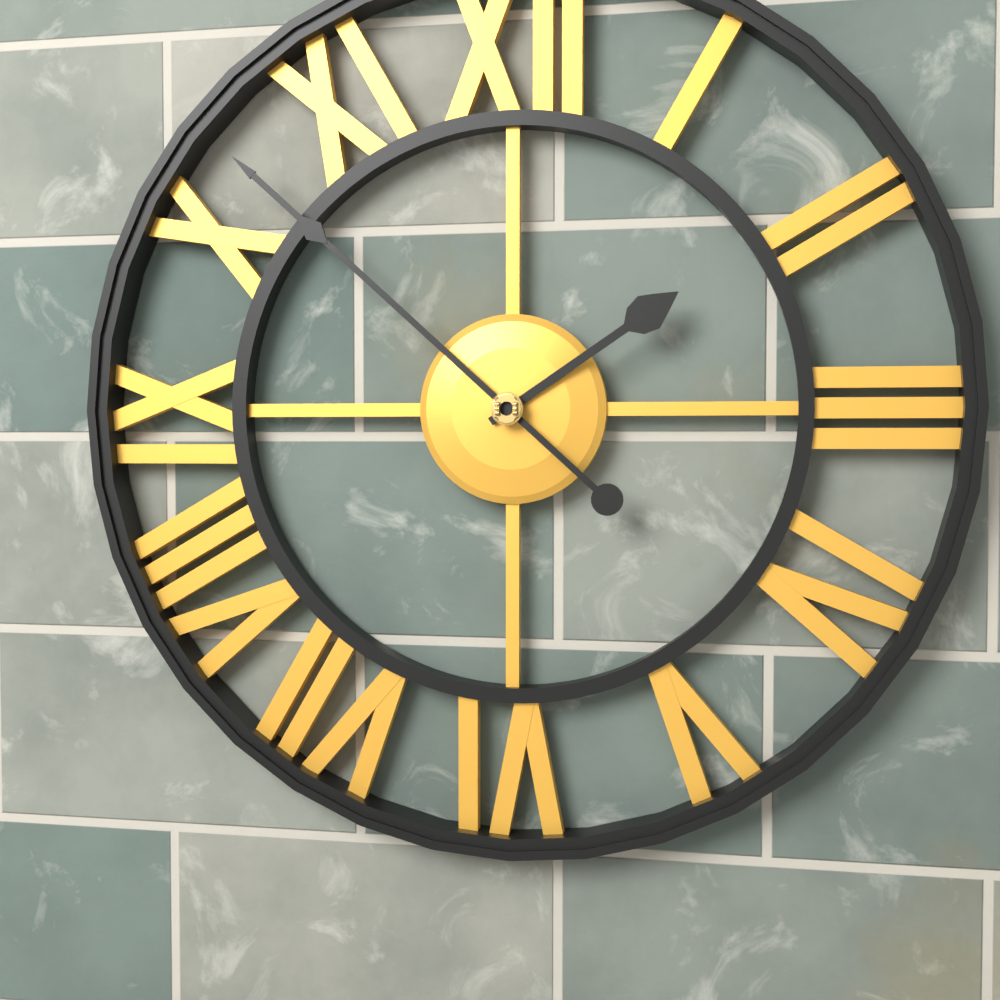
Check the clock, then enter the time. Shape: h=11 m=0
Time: h=1 m=52
